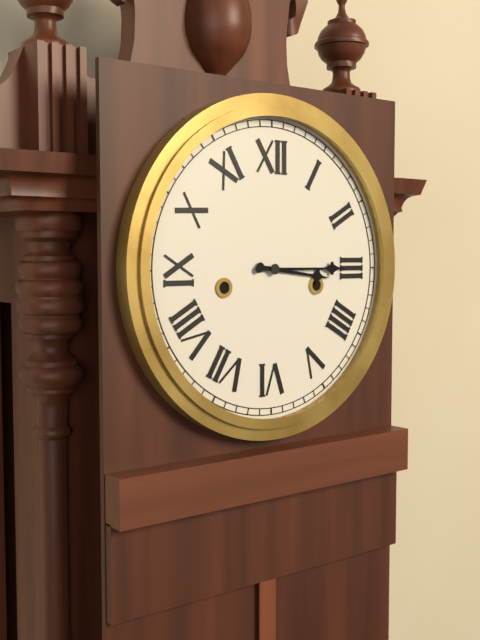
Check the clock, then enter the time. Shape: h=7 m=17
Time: h=3 m=15
